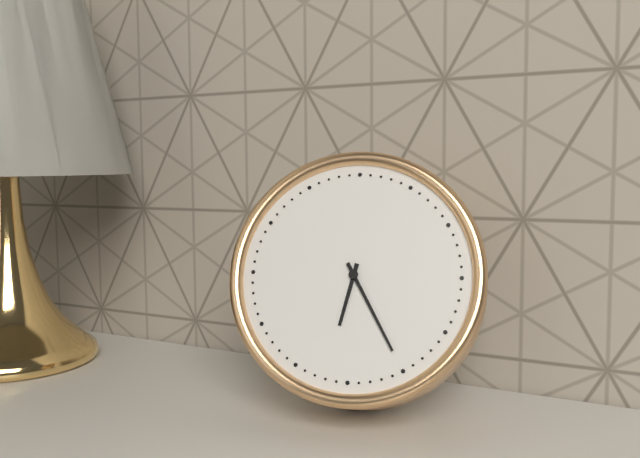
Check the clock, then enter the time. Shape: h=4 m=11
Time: h=6 m=25
